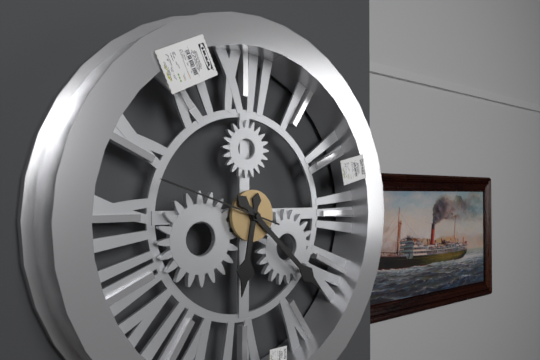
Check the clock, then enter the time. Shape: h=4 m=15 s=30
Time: h=6 m=22 s=48
